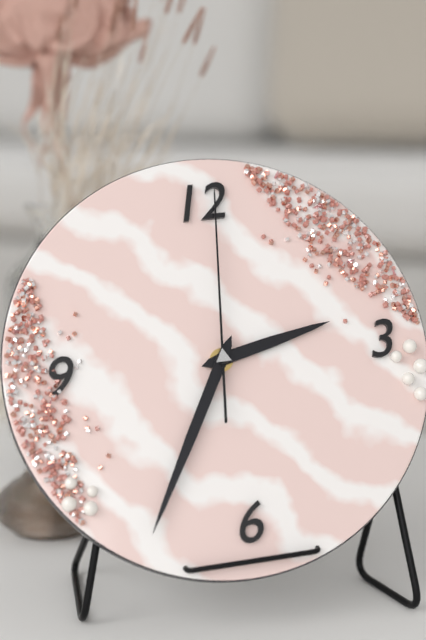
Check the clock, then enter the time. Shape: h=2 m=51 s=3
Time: h=2 m=35 s=1
